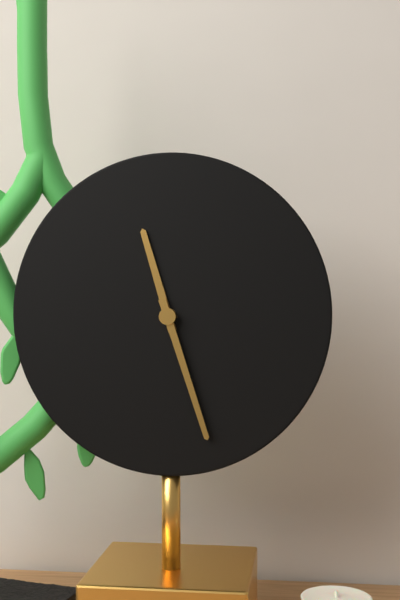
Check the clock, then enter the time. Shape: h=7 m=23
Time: h=11 m=27
